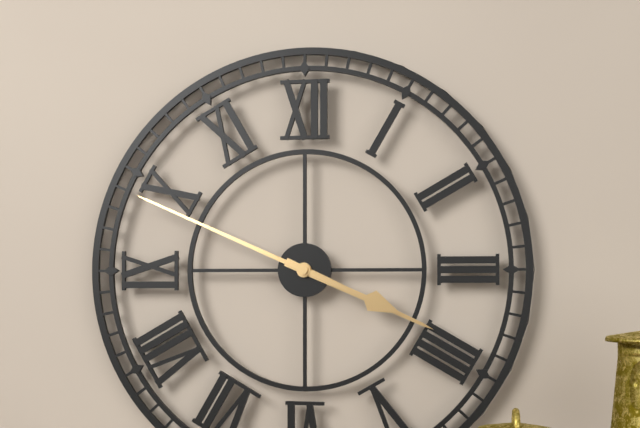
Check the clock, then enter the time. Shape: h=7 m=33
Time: h=3 m=49
